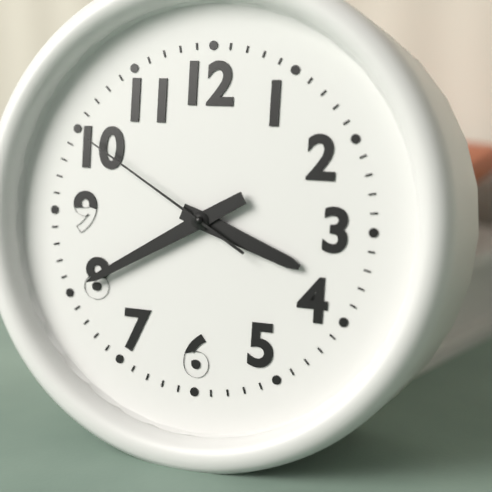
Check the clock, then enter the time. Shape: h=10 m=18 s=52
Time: h=3 m=40 s=50
